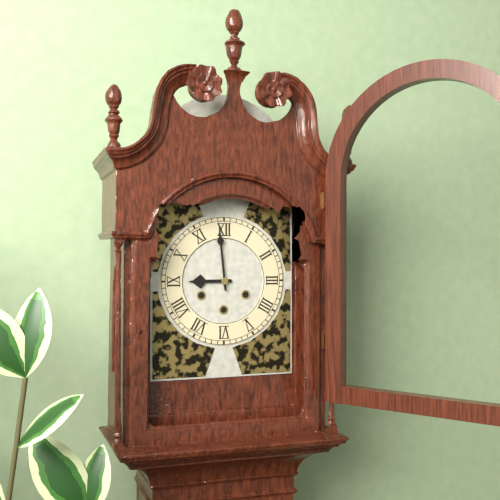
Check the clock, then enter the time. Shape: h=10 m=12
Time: h=8 m=59
